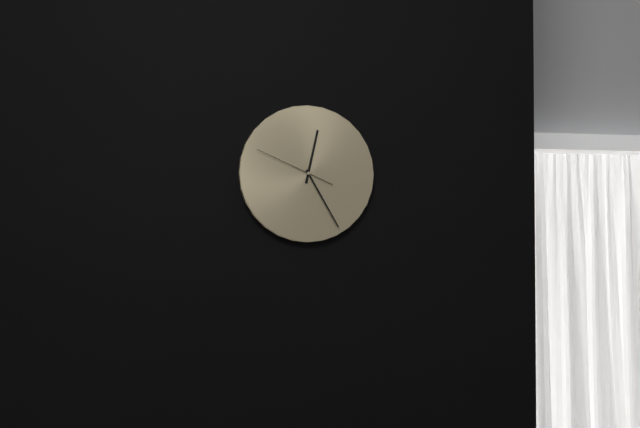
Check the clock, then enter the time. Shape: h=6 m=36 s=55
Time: h=12 m=25 s=49
